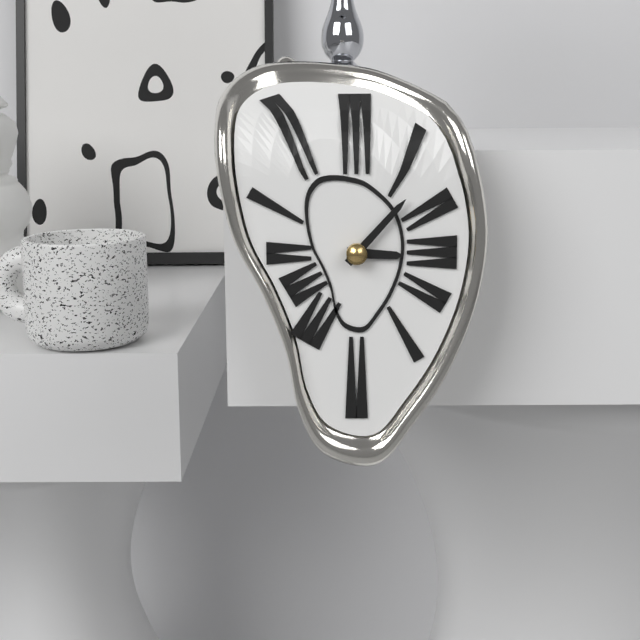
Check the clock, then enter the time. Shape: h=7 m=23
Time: h=3 m=7
